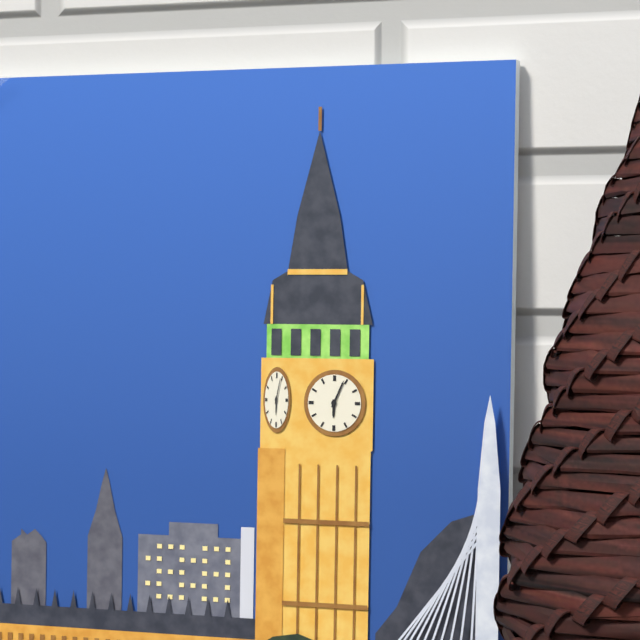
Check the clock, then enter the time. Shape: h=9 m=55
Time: h=6 m=4
